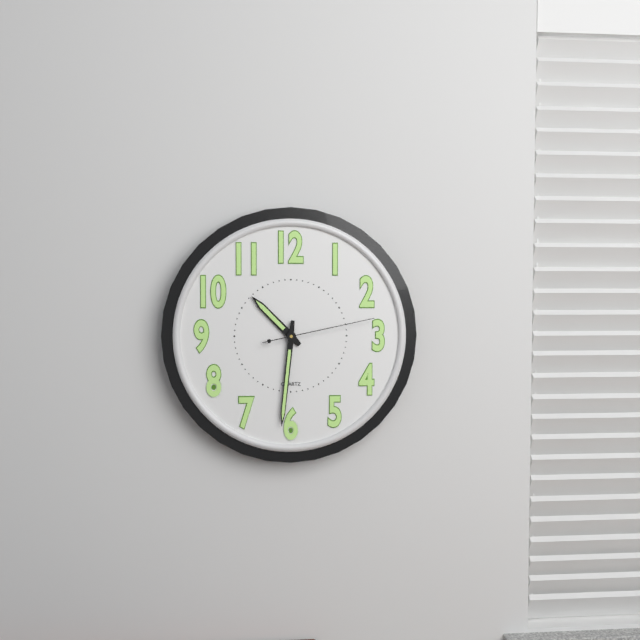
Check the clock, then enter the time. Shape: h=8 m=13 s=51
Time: h=10 m=31 s=13
